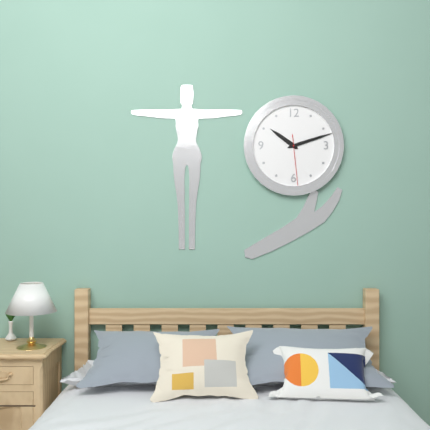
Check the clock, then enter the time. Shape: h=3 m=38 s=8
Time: h=10 m=12 s=29
